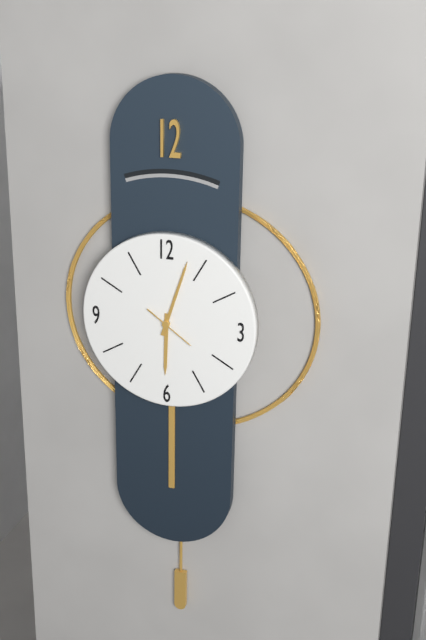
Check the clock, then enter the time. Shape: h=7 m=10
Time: h=6 m=3
